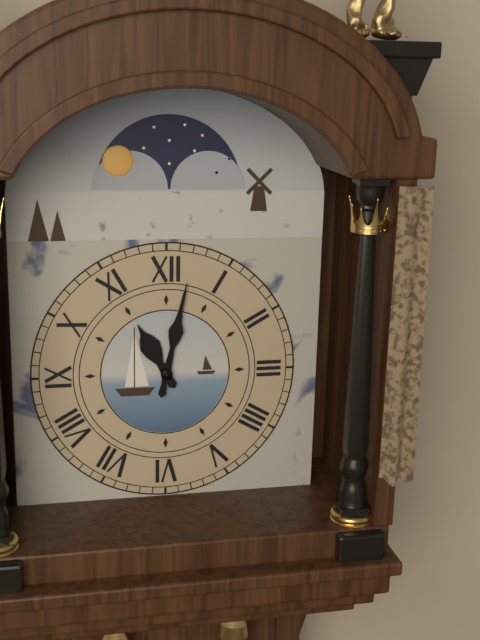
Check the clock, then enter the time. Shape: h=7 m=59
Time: h=11 m=2
